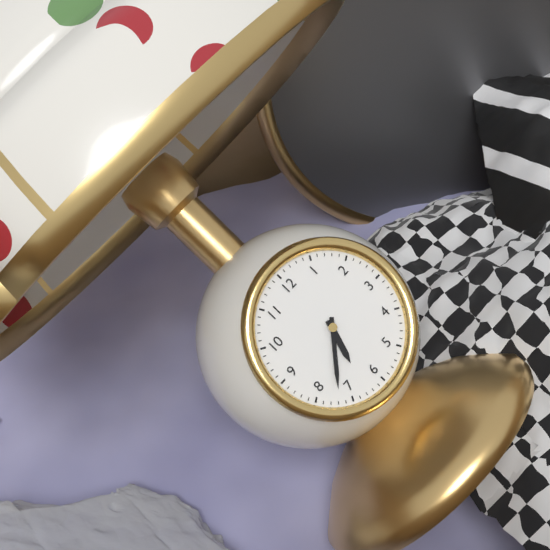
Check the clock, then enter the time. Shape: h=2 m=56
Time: h=6 m=37
